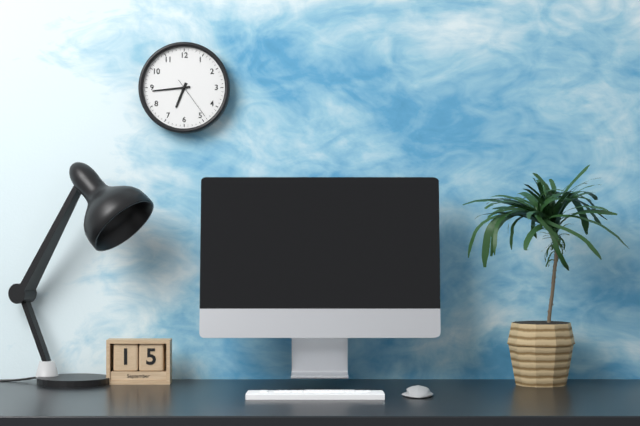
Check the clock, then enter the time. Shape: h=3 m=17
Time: h=6 m=44
